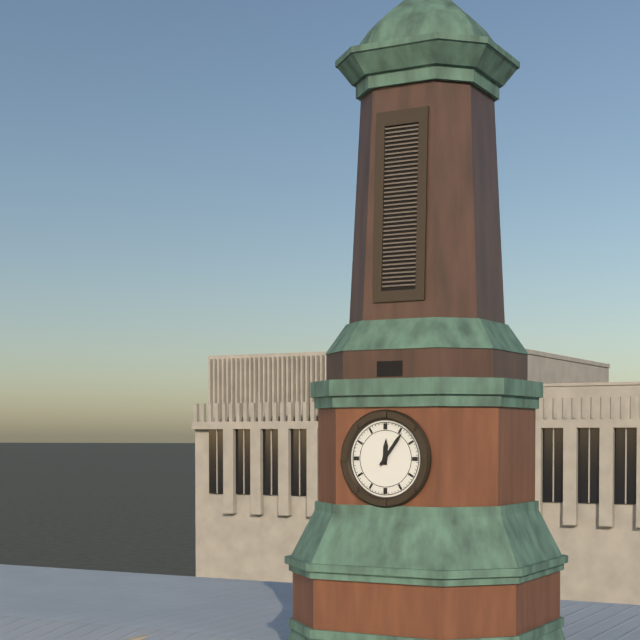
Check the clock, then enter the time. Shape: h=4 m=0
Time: h=12 m=6
